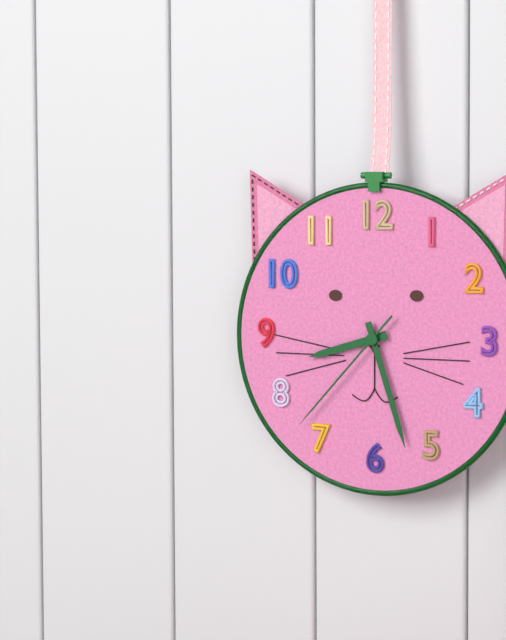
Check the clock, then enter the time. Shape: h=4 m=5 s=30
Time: h=8 m=27 s=37
